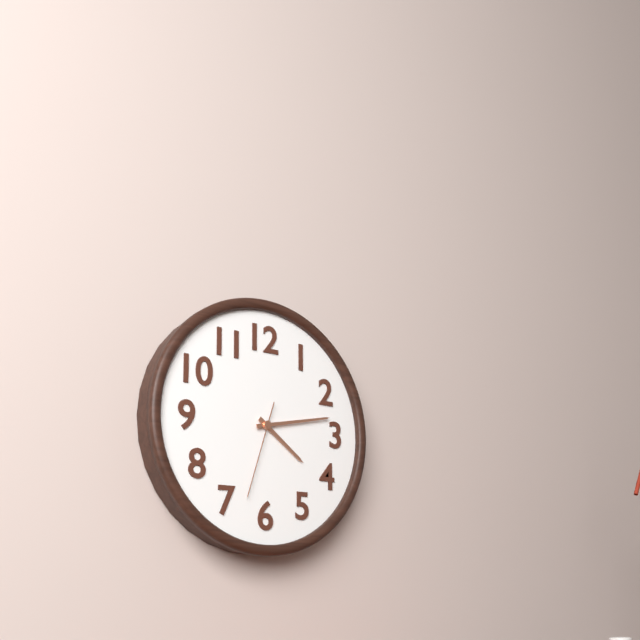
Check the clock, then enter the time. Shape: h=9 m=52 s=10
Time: h=4 m=13 s=33
